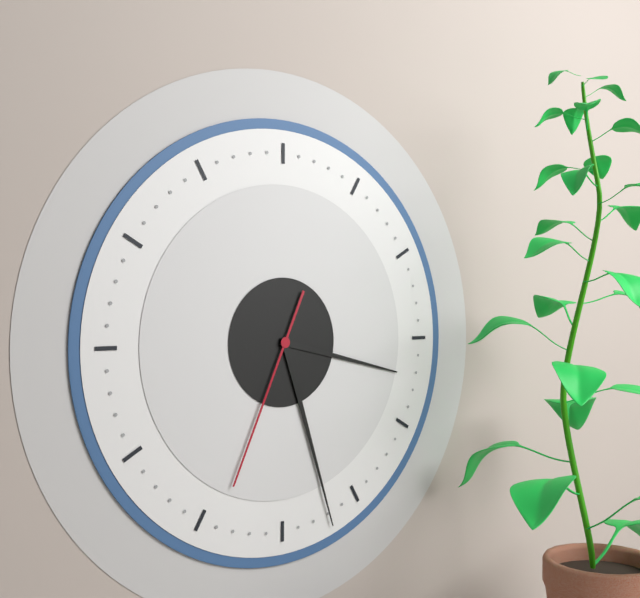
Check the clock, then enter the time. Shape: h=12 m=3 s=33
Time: h=3 m=27 s=34
